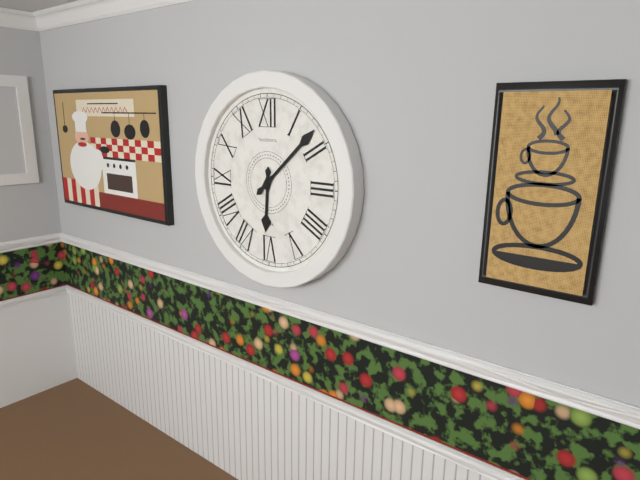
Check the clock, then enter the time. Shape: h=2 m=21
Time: h=6 m=8
